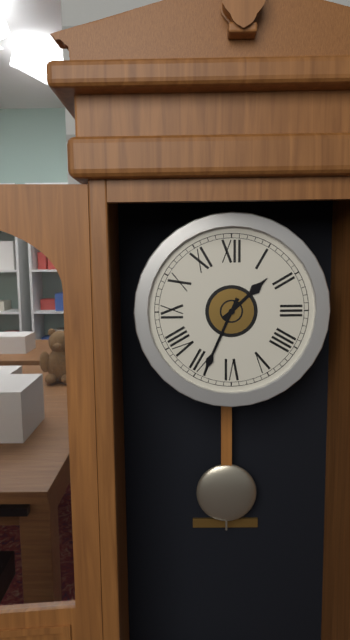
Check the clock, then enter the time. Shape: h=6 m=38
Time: h=1 m=34
